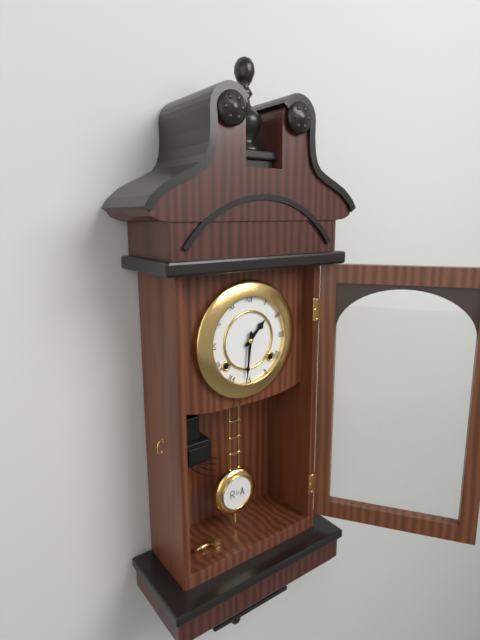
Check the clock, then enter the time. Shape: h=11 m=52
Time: h=1 m=31
